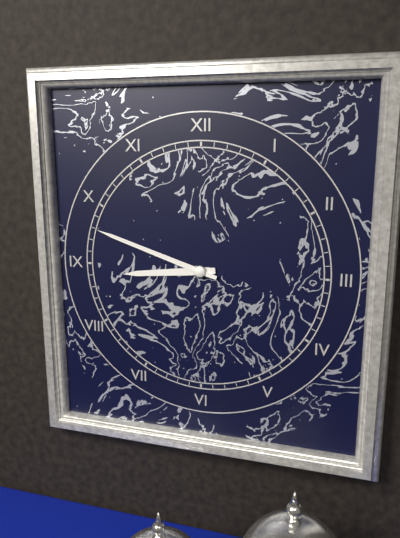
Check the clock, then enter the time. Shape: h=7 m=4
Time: h=8 m=48
